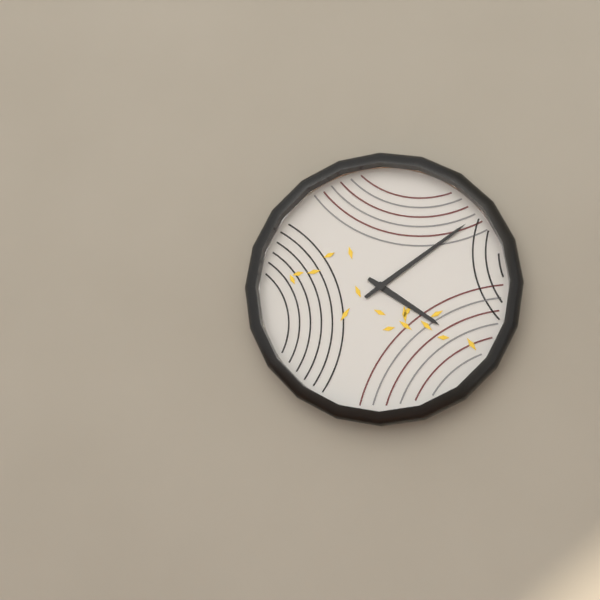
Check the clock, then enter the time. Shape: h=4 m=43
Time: h=4 m=9
